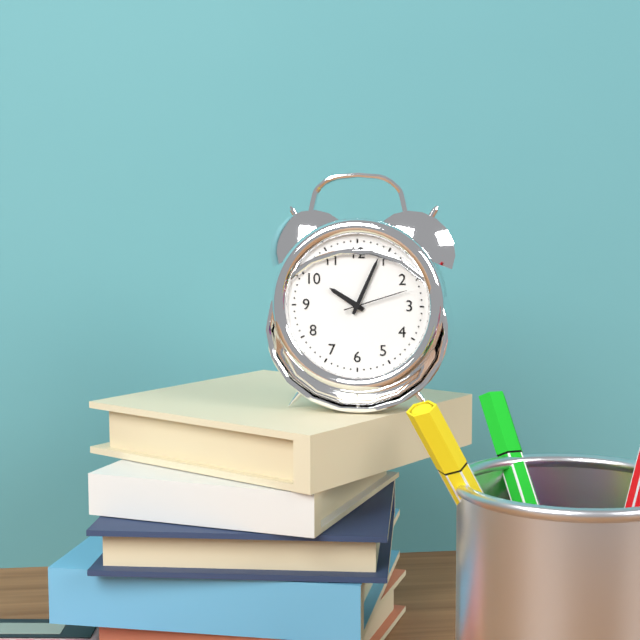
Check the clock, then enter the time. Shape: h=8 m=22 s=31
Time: h=10 m=4 s=12
